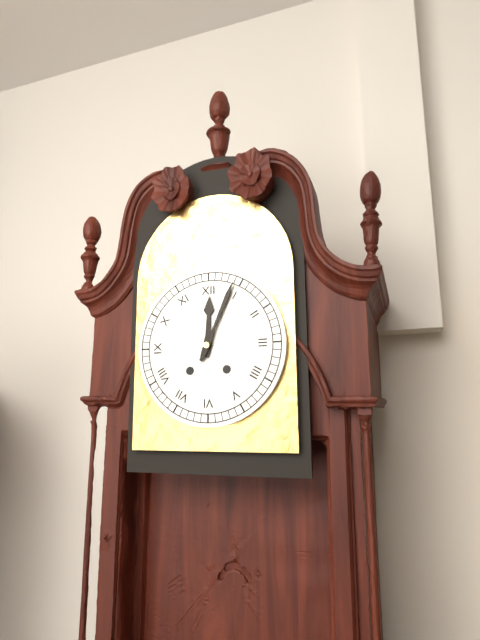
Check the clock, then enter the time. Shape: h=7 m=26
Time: h=12 m=4
